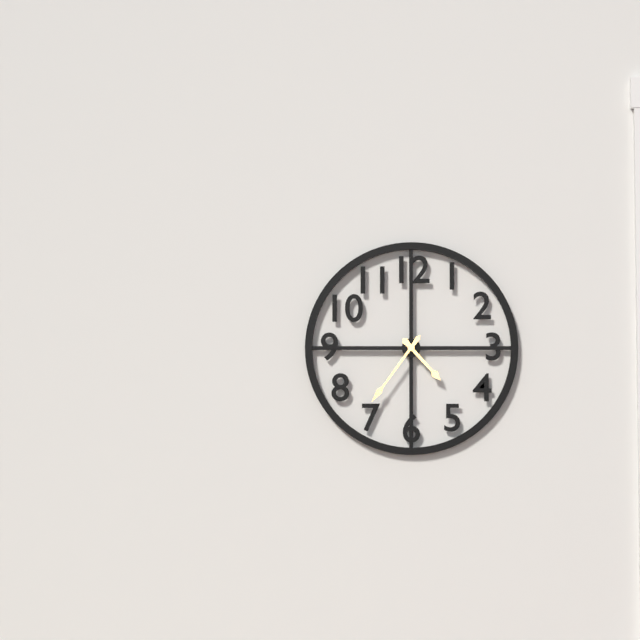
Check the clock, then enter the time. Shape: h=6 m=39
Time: h=4 m=36
